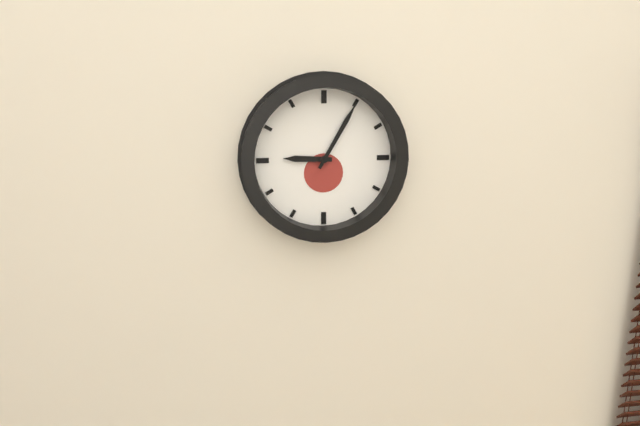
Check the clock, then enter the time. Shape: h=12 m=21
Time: h=9 m=5
